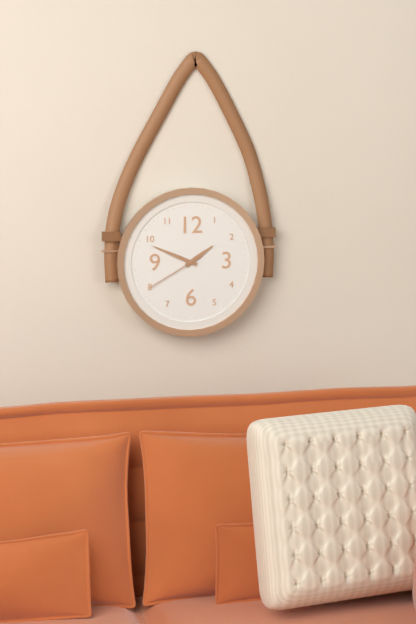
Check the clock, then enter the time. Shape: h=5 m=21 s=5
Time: h=1 m=49 s=40
